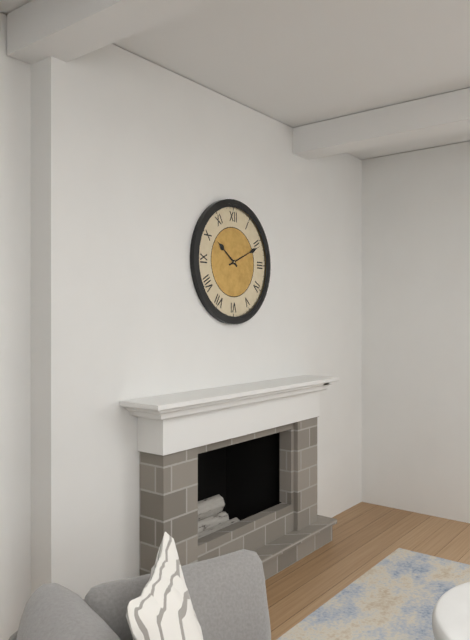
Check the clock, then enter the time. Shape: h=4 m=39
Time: h=10 m=11
